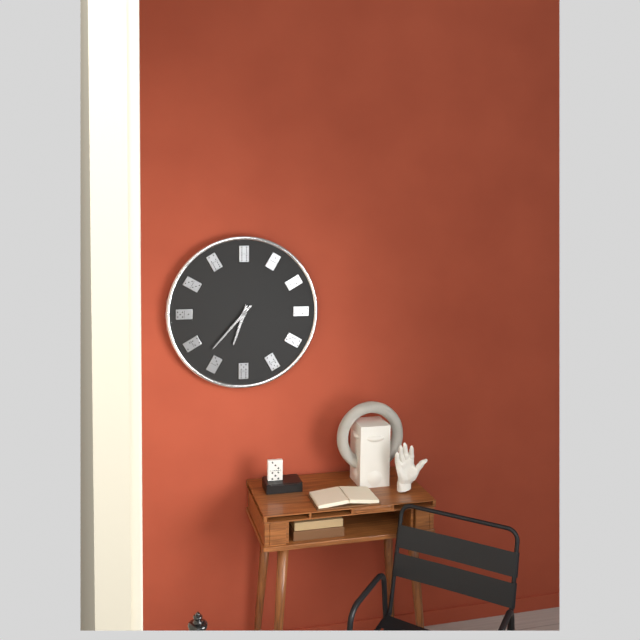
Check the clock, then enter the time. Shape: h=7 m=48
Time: h=6 m=37
